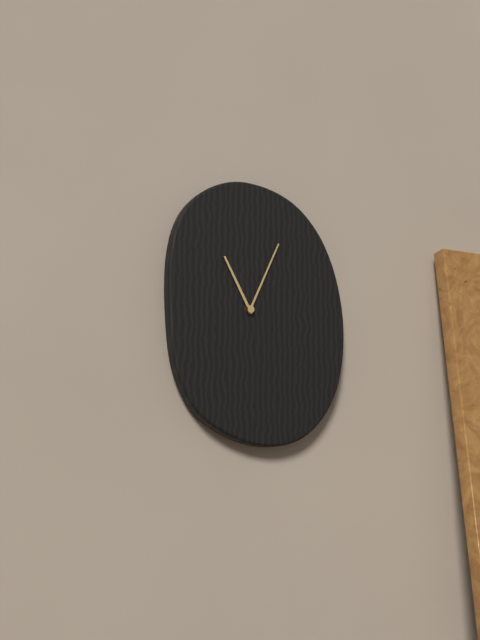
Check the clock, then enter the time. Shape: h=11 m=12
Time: h=11 m=4
